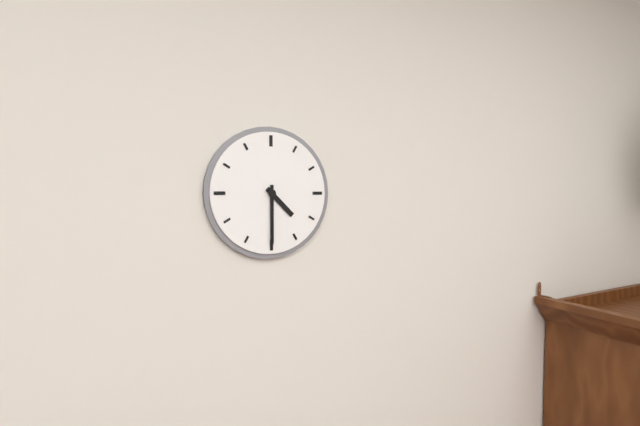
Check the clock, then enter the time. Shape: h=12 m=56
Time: h=4 m=30
